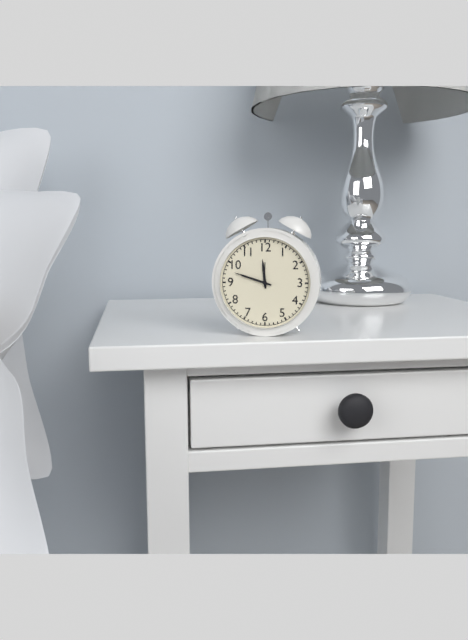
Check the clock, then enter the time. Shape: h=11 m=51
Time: h=11 m=48
